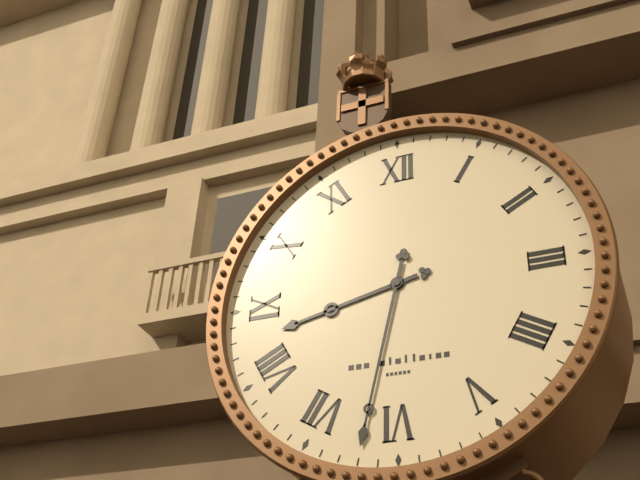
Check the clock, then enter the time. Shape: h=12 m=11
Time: h=8 m=32
